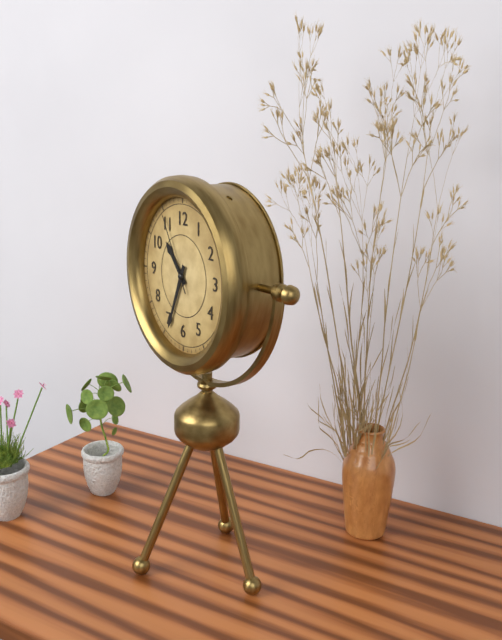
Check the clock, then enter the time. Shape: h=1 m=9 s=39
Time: h=10 m=34 s=55
